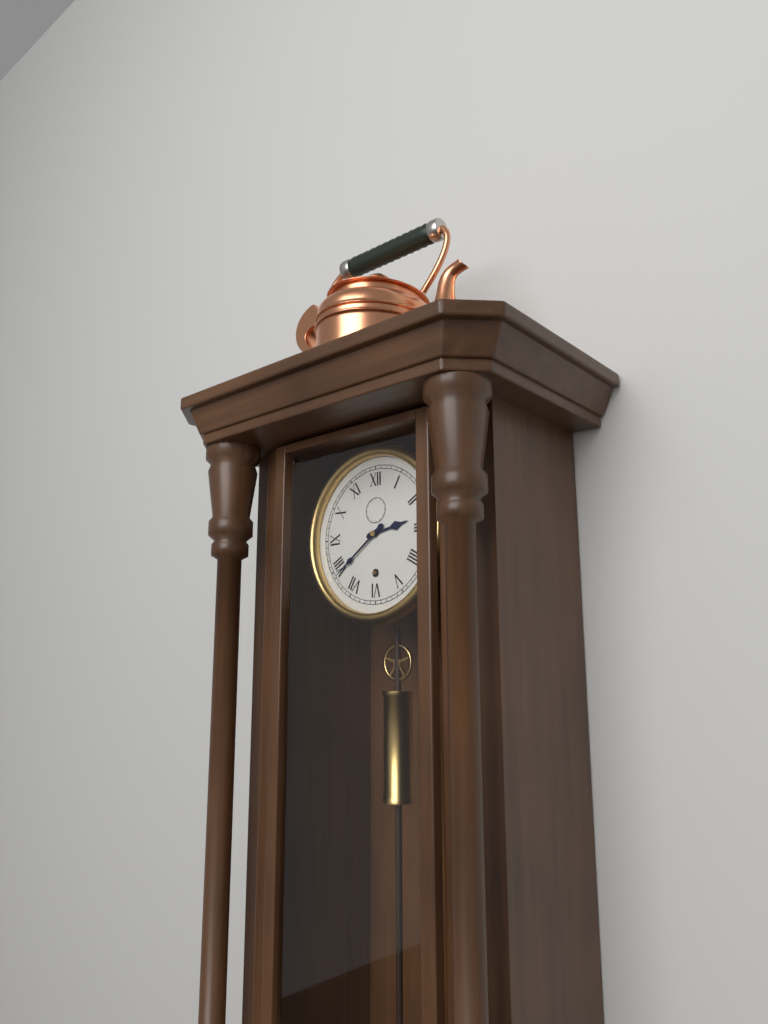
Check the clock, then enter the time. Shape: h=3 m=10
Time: h=2 m=39
